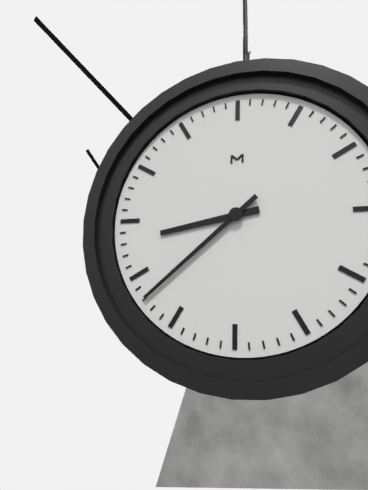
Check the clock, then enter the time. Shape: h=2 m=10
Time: h=8 m=38
